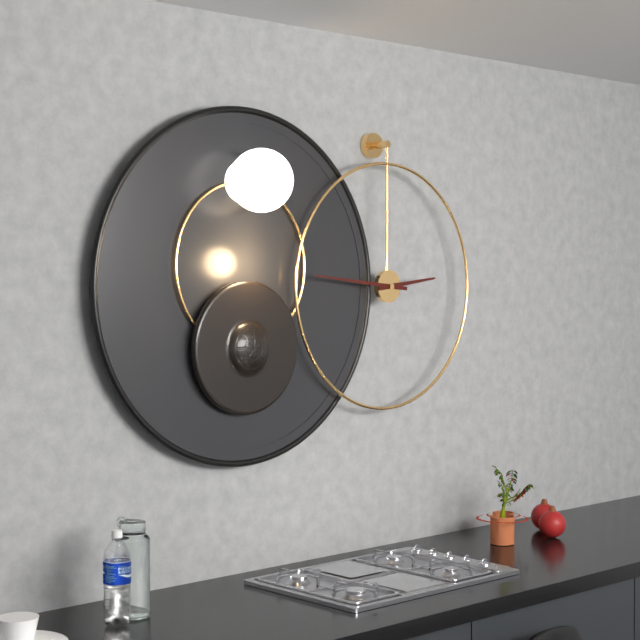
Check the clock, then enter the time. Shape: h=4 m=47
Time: h=2 m=46
